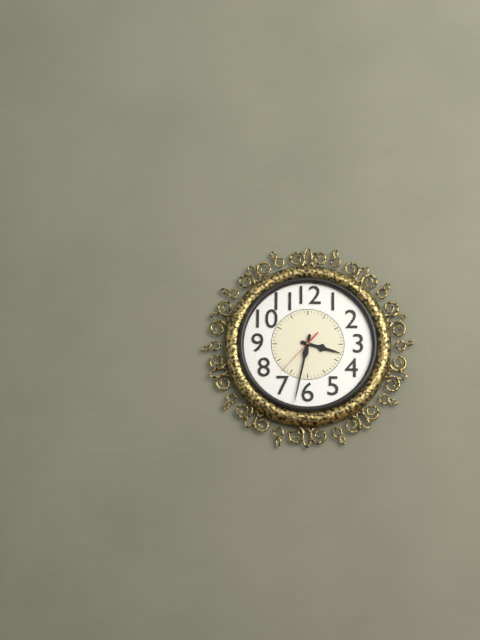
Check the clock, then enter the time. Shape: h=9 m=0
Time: h=3 m=32
